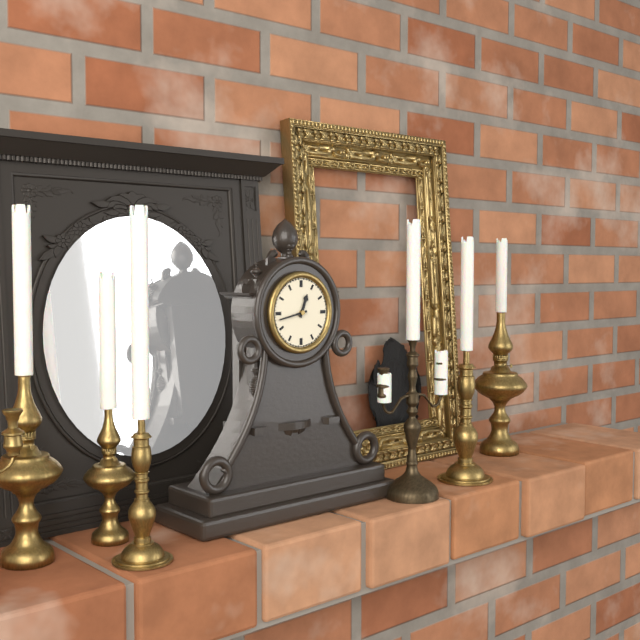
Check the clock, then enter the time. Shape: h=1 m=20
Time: h=12 m=43
